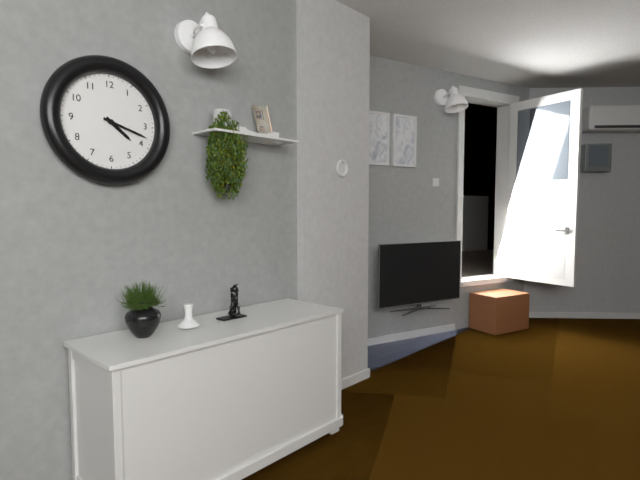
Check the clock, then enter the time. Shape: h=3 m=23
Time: h=4 m=18
